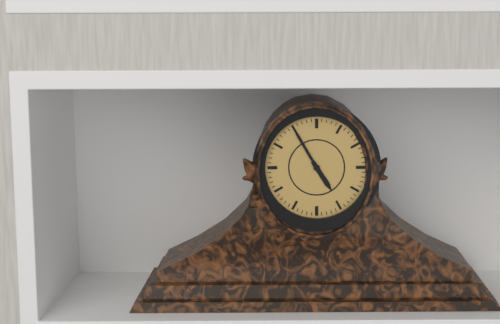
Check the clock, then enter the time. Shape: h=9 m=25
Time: h=4 m=55
